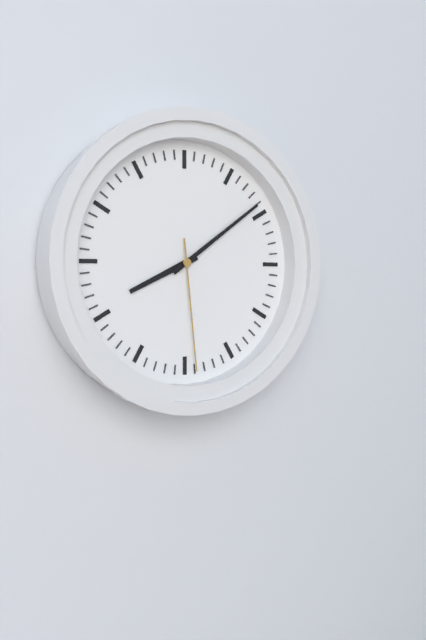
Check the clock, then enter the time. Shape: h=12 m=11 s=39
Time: h=8 m=9 s=29
